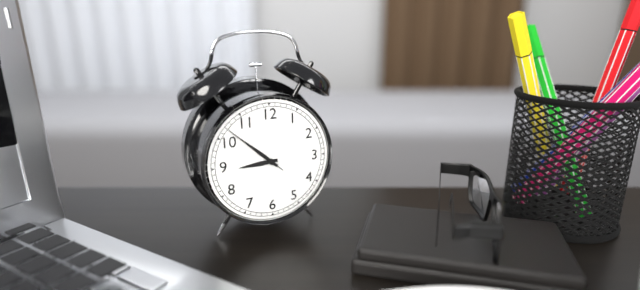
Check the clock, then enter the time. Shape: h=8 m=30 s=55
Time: h=8 m=52 s=52
